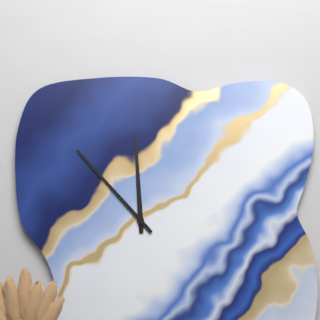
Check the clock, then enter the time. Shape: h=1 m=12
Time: h=11 m=53
